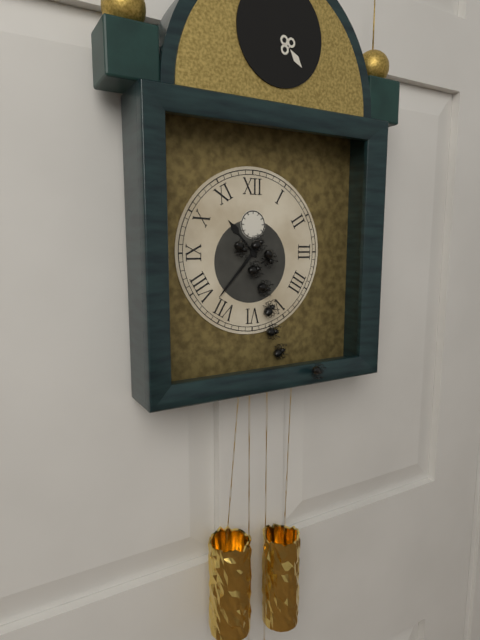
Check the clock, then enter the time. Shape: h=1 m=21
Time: h=10 m=37
